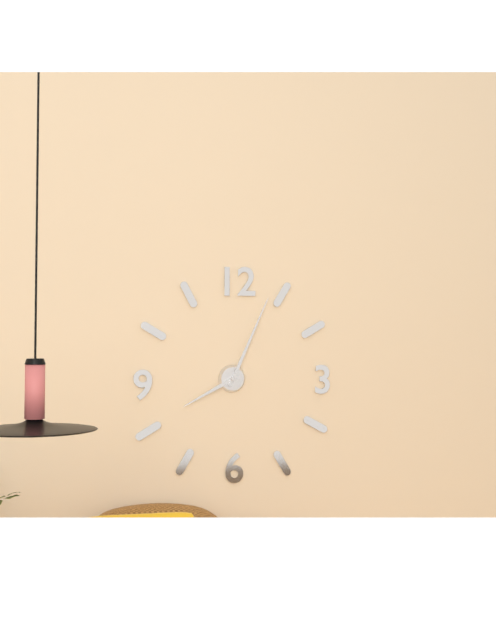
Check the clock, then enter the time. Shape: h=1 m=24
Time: h=8 m=4
